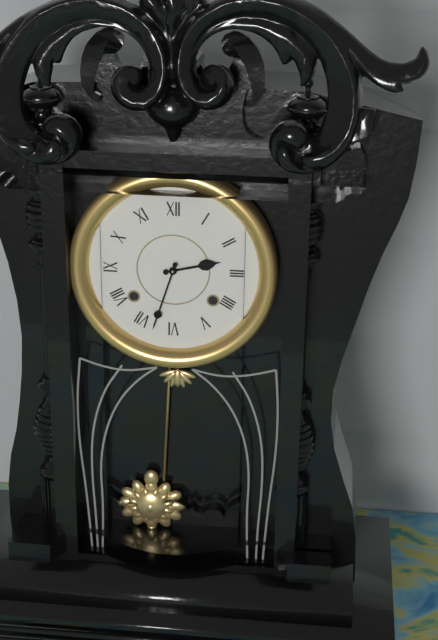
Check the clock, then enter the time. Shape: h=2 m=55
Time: h=2 m=33
